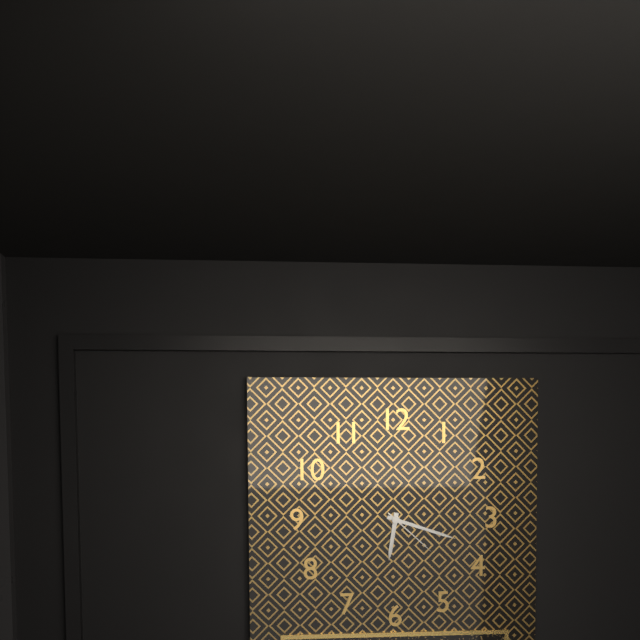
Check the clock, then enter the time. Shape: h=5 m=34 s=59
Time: h=6 m=18 s=22
